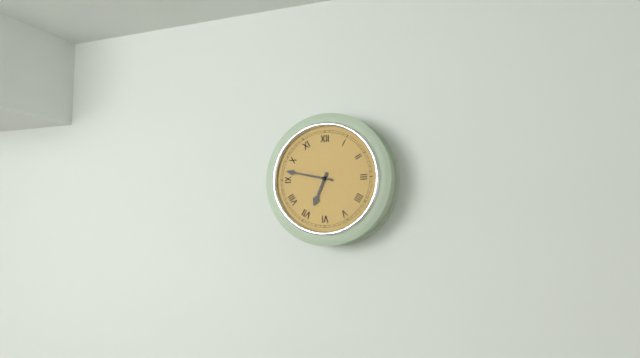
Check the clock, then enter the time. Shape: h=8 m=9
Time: h=6 m=47
